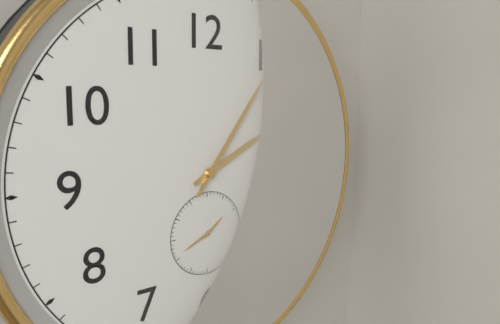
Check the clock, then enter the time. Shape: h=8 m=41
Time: h=2 m=6
